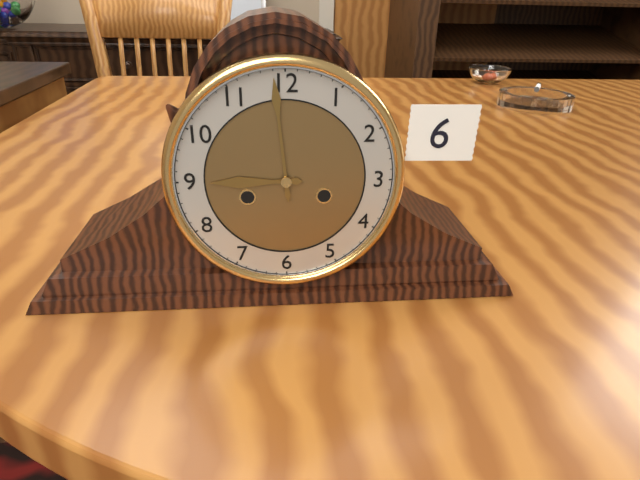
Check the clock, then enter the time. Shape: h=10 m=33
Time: h=8 m=59
